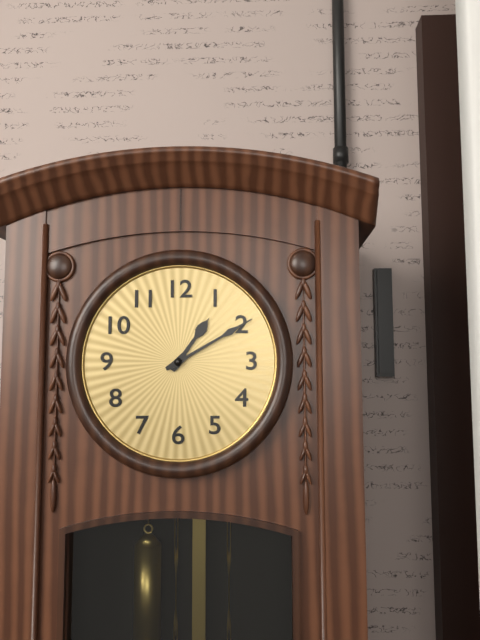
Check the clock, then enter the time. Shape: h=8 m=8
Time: h=1 m=10
